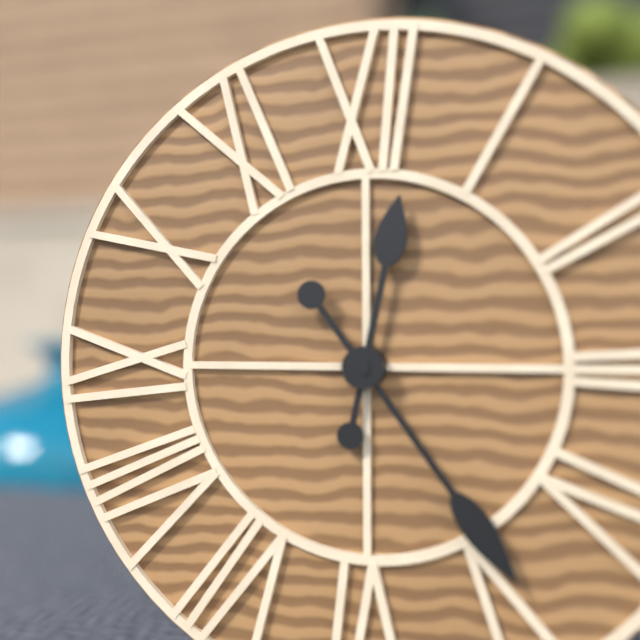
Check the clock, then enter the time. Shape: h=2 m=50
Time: h=12 m=24
